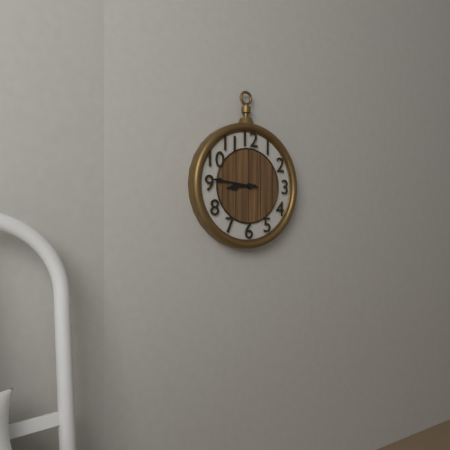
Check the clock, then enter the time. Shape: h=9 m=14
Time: h=8 m=46
